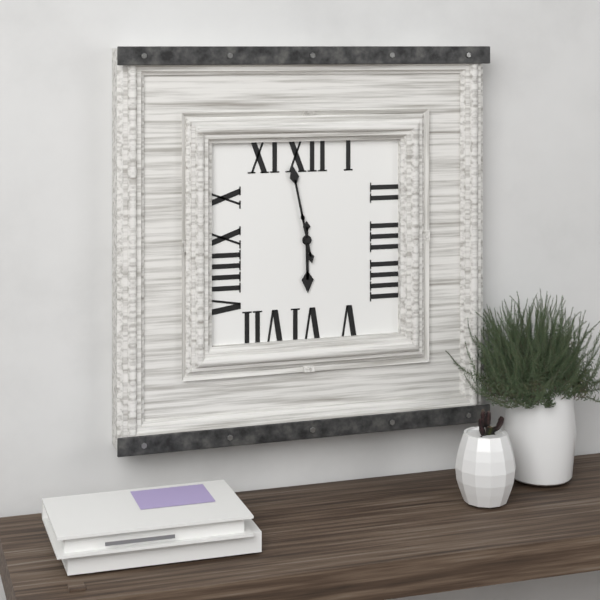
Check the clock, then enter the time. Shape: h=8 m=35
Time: h=5 m=58
